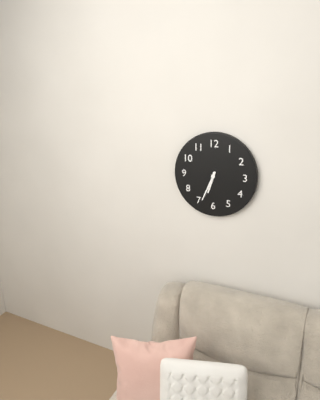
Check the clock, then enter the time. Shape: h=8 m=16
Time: h=6 m=34
